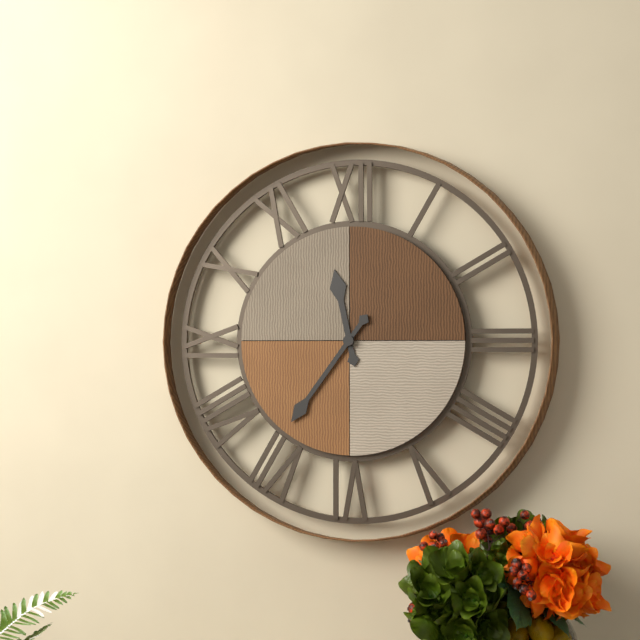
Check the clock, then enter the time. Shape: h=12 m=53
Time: h=11 m=36
